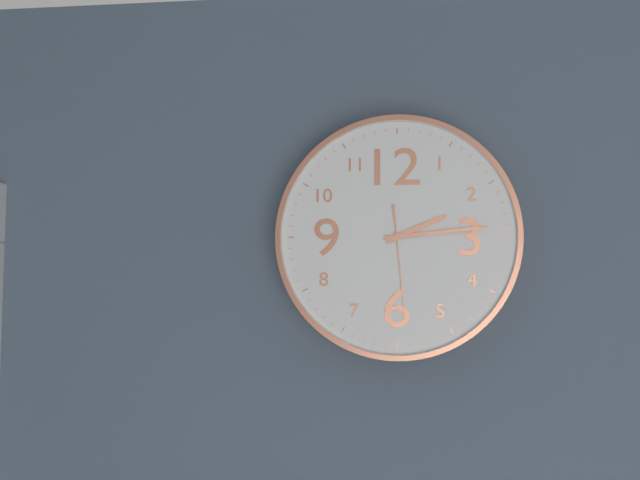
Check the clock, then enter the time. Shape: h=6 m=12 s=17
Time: h=2 m=14 s=29
